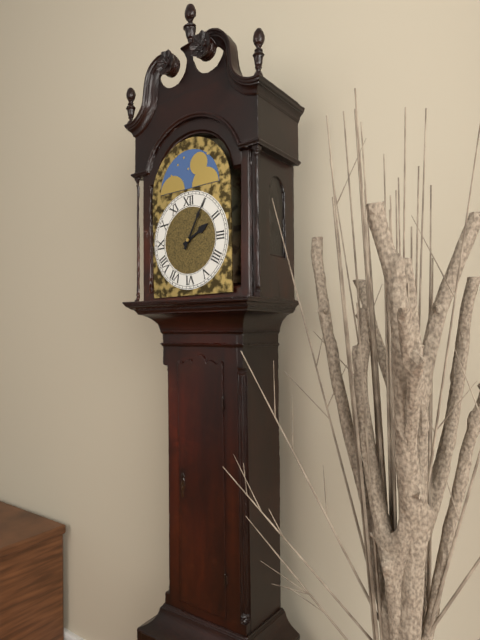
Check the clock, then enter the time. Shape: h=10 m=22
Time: h=2 m=5
